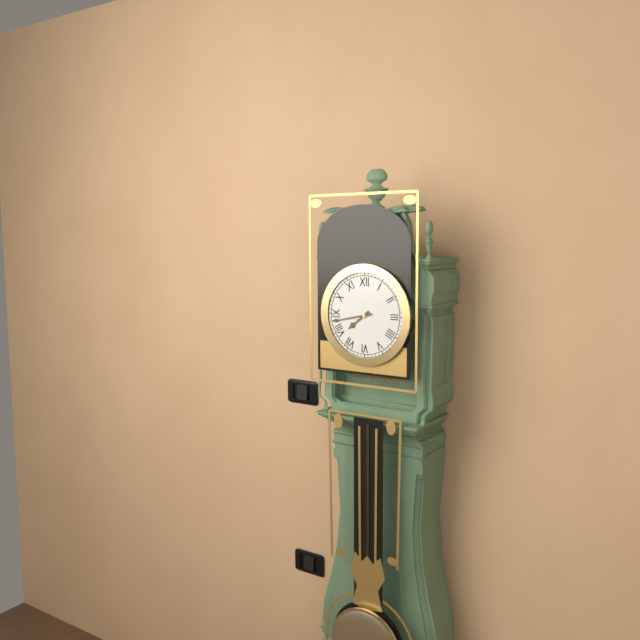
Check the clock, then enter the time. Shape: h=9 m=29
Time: h=7 m=43
